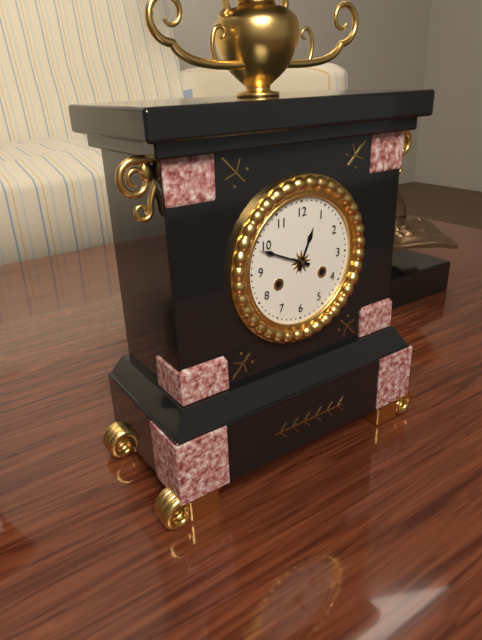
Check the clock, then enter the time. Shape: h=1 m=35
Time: h=12 m=49
